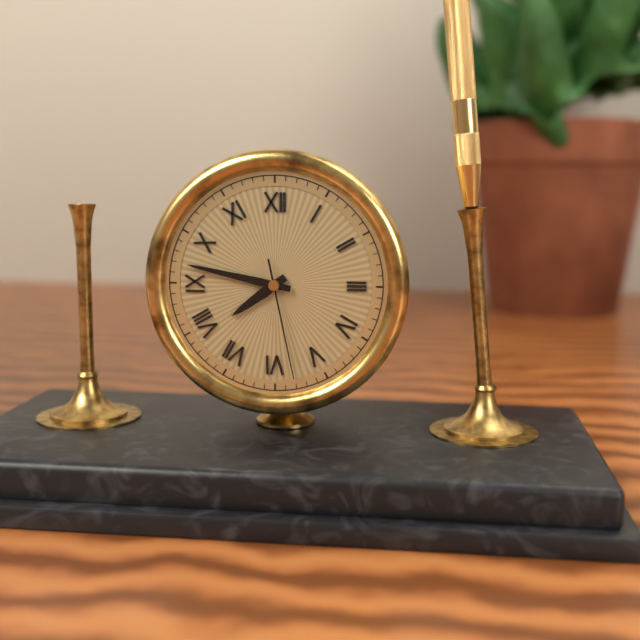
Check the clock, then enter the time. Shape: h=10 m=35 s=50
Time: h=7 m=47 s=28
